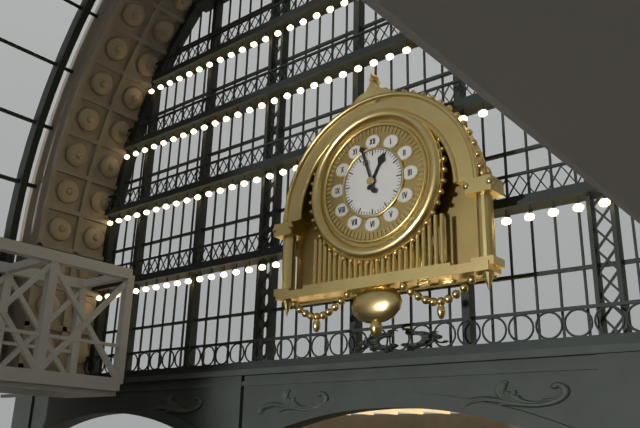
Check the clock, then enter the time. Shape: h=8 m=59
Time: h=12 m=57
